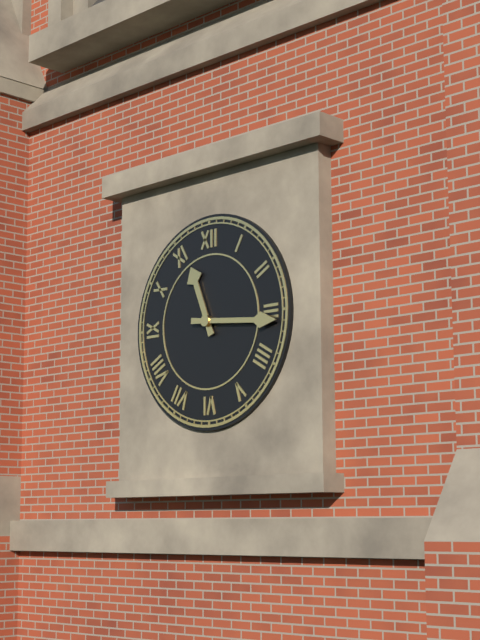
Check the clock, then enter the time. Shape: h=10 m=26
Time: h=11 m=16
